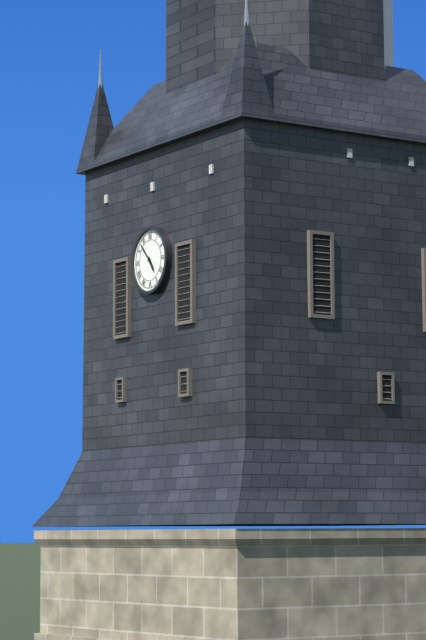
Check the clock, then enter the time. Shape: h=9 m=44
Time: h=4 m=53
